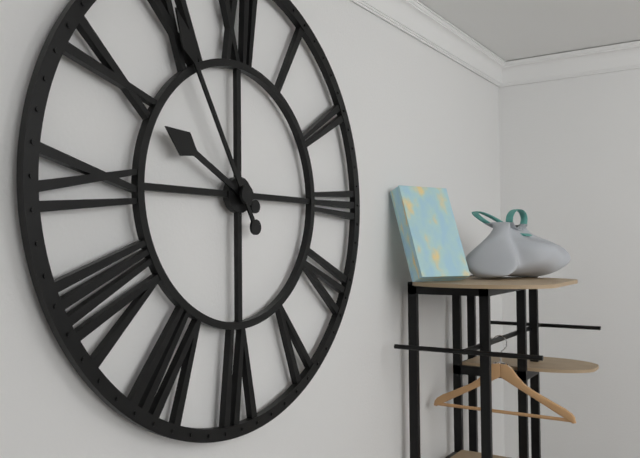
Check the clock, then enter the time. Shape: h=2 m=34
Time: h=9 m=55
